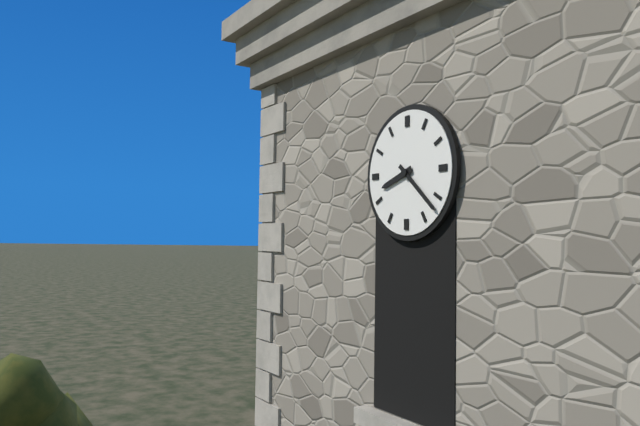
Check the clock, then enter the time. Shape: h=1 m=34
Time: h=8 m=22
